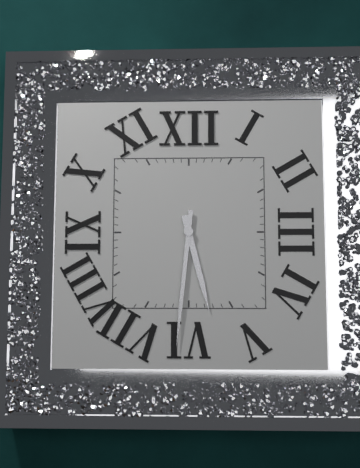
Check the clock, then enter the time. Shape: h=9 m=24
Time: h=5 m=31
